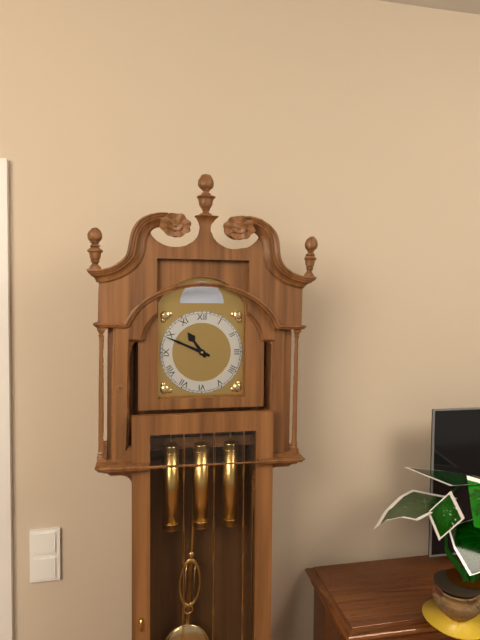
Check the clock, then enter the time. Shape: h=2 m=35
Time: h=10 m=49
